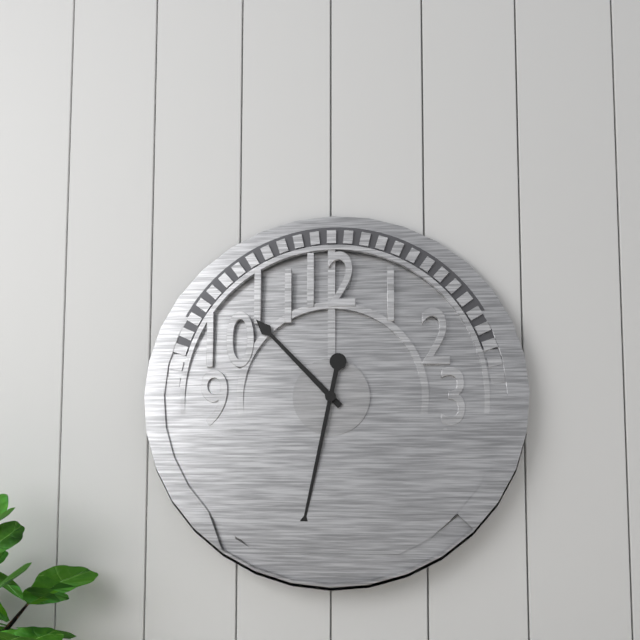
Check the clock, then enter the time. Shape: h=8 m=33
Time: h=10 m=32
